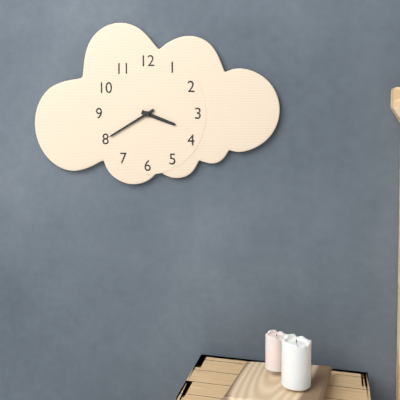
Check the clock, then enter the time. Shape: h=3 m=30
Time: h=3 m=40
